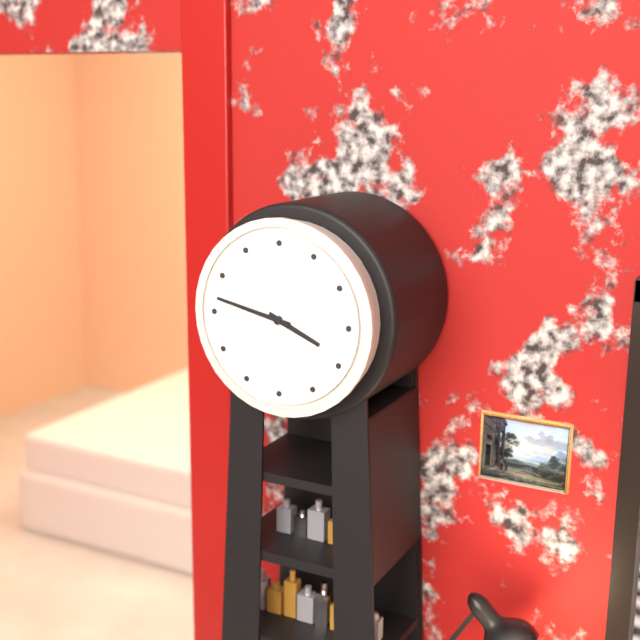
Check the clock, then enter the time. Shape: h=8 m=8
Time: h=3 m=47
